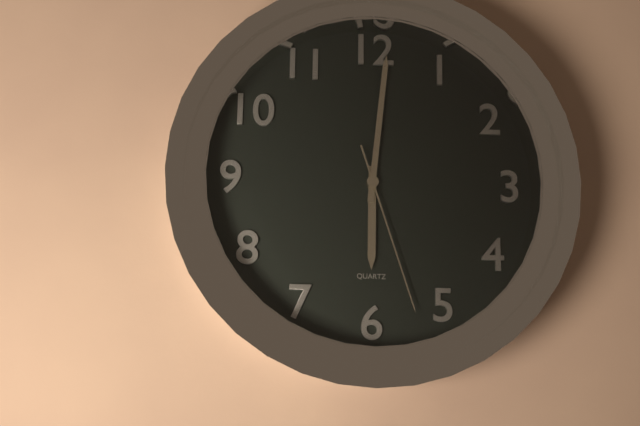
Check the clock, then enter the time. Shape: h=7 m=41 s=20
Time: h=6 m=1 s=27
